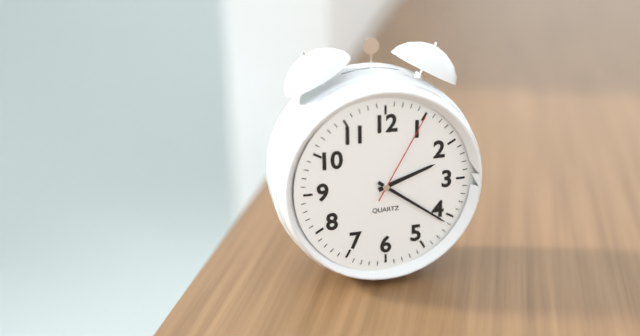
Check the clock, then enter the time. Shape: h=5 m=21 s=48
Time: h=2 m=21 s=5
